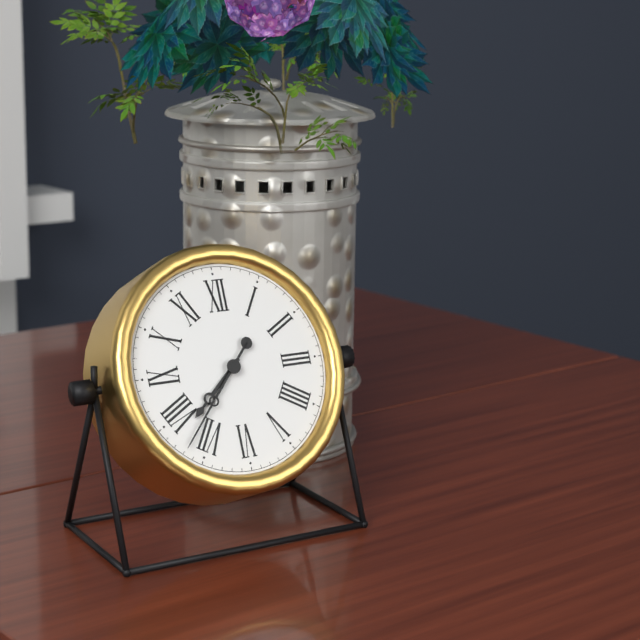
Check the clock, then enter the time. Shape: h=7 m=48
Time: h=7 m=37
